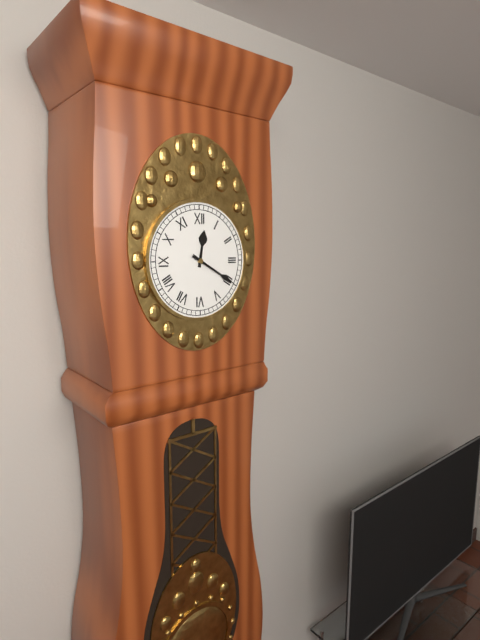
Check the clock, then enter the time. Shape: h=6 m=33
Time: h=12 m=20
